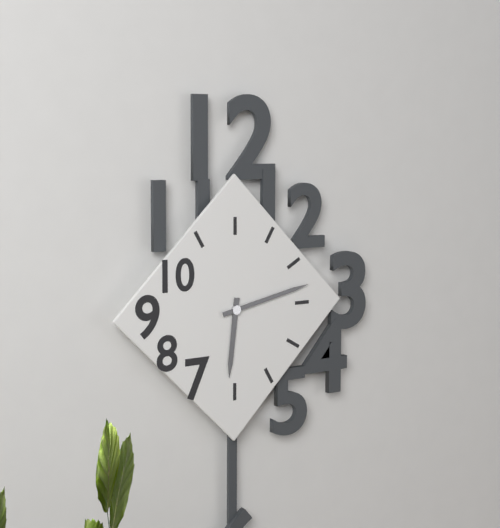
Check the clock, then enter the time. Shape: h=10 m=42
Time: h=6 m=13
